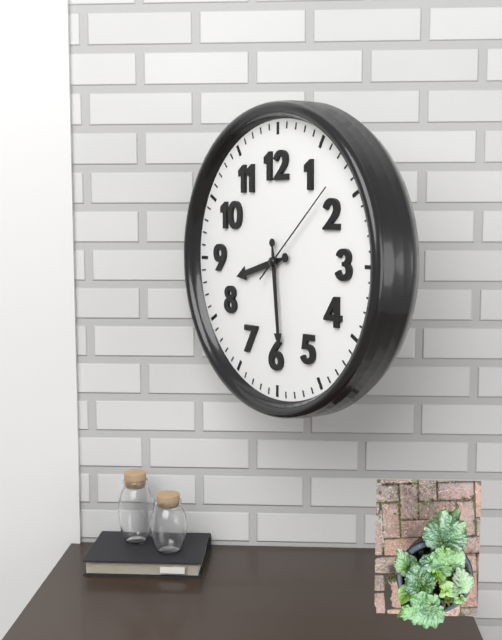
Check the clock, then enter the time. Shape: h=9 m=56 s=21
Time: h=8 m=29 s=8
